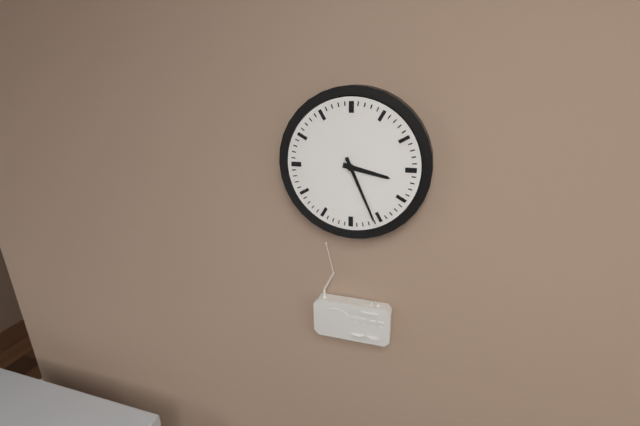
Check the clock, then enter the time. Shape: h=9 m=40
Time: h=3 m=26
